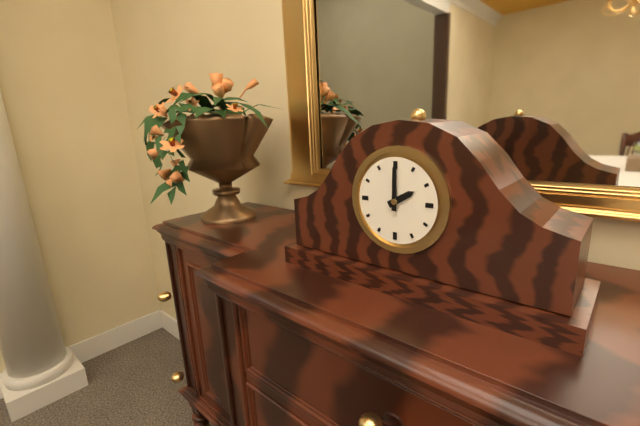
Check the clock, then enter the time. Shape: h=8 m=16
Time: h=2 m=0
